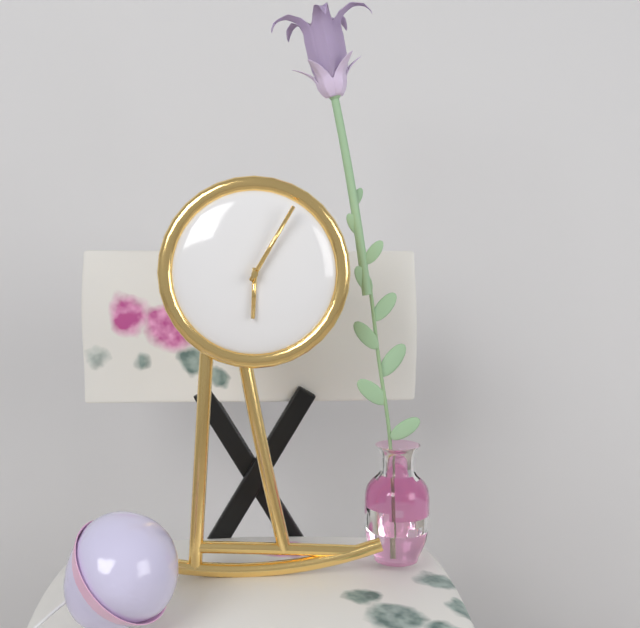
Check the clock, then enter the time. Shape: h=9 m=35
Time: h=6 m=5
